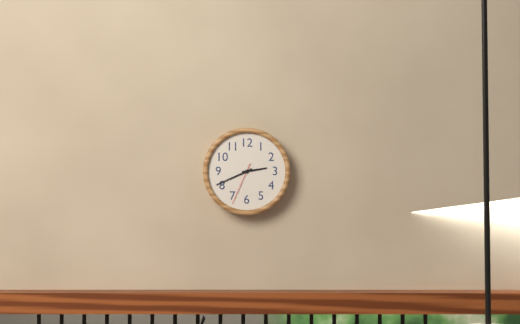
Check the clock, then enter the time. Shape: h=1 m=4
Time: h=2 m=41
